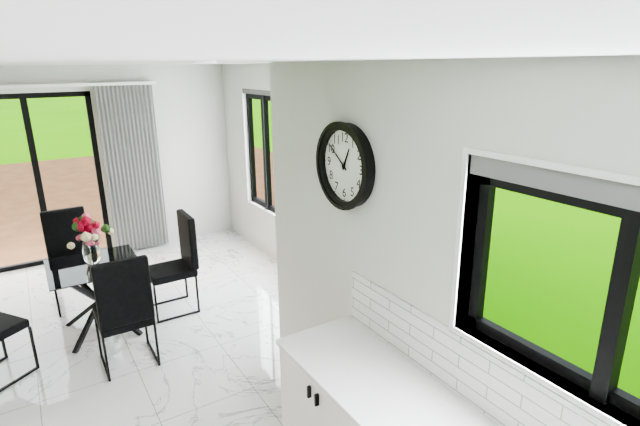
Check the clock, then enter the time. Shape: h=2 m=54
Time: h=12 m=51
